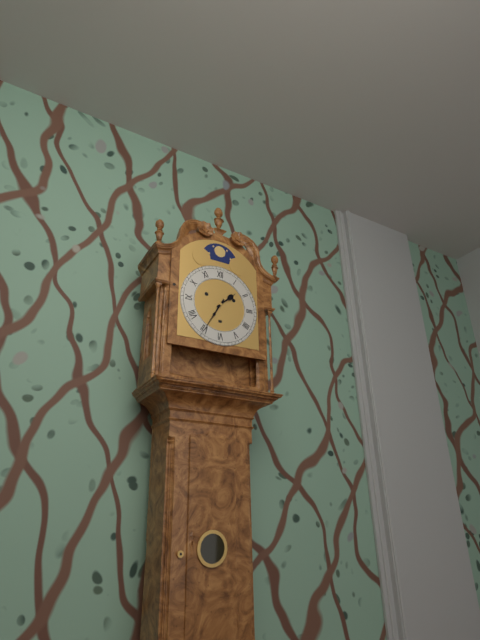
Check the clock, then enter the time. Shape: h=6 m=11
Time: h=1 m=35
